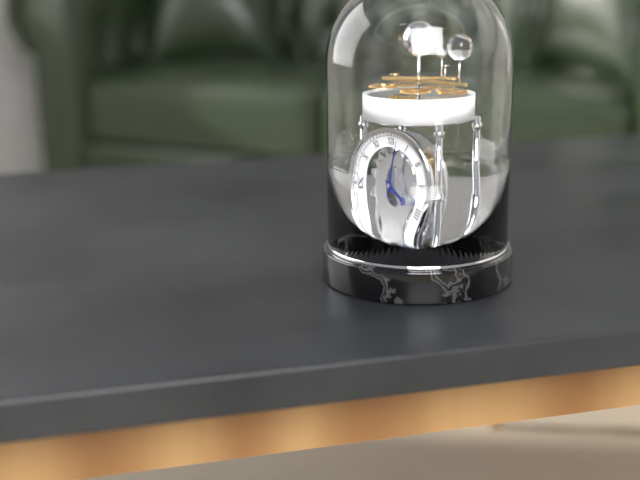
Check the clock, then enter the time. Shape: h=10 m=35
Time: h=4 m=2
